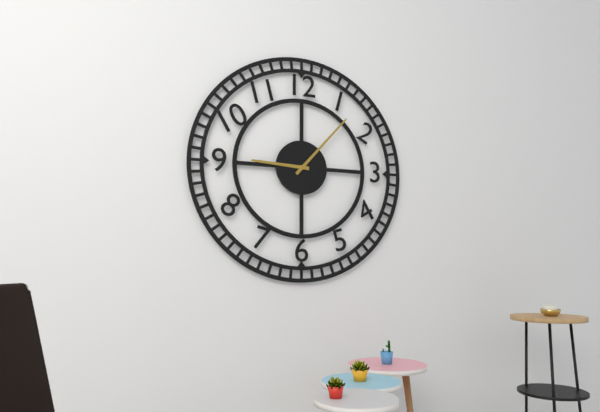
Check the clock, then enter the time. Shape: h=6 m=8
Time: h=9 m=7
